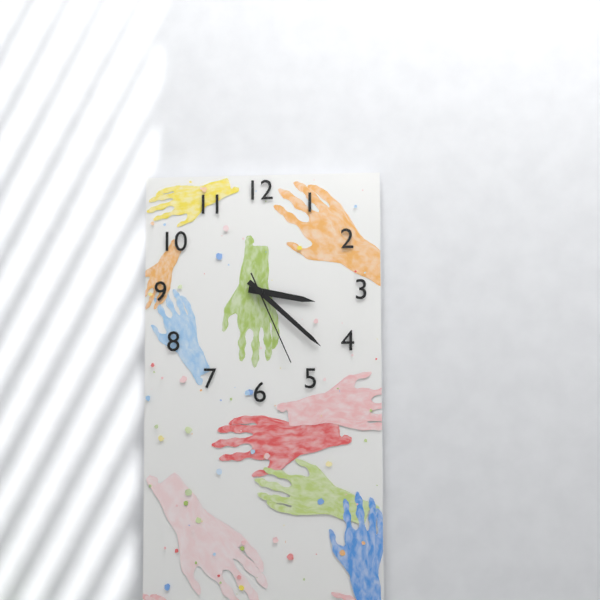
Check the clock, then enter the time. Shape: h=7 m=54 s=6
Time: h=3 m=22 s=26
